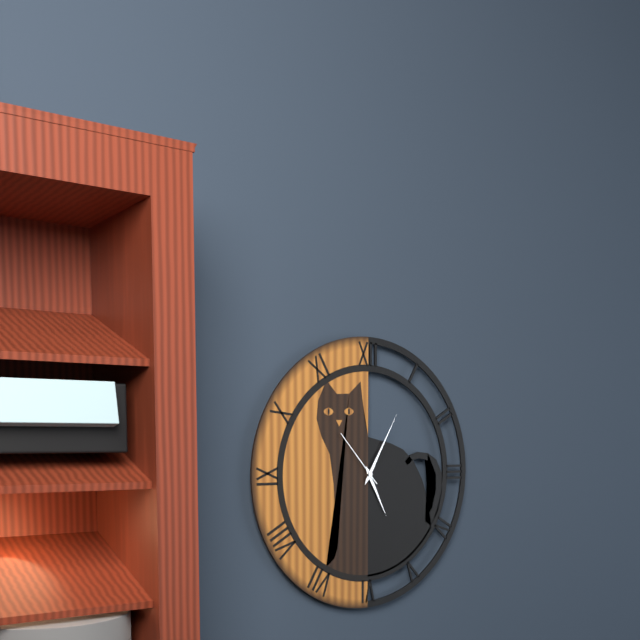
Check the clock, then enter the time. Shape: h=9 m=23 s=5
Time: h=5 m=5 s=53
